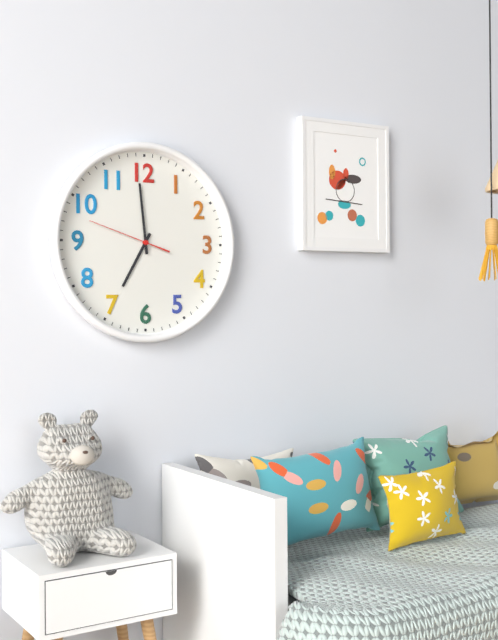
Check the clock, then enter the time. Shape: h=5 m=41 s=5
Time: h=6 m=59 s=48
